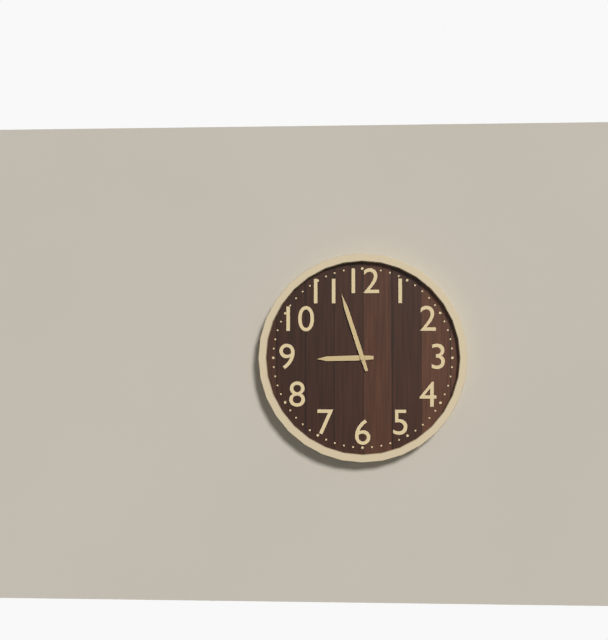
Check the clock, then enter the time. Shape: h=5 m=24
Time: h=8 m=57
